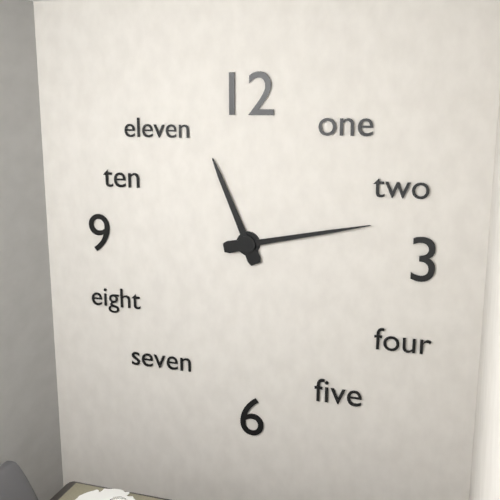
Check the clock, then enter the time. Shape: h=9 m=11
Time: h=11 m=13
